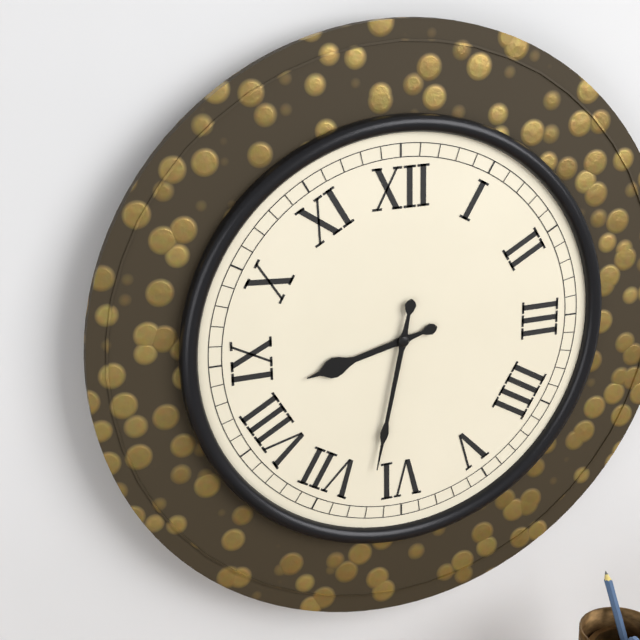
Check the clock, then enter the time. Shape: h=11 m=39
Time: h=8 m=32
